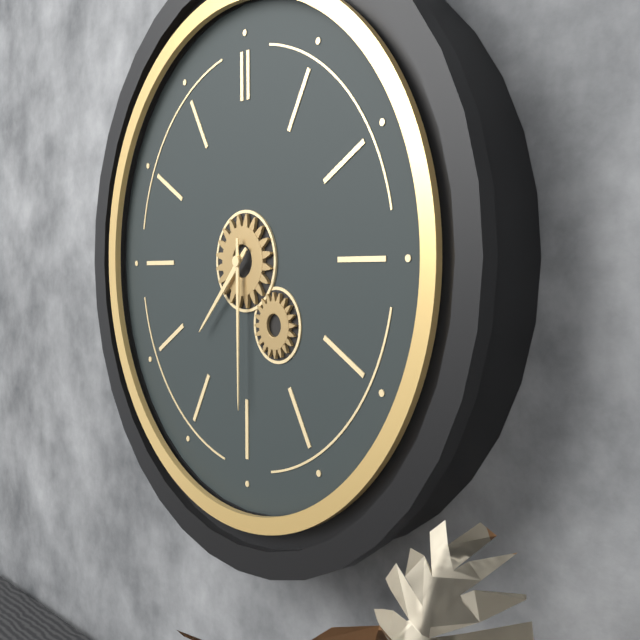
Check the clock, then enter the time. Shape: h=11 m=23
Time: h=7 m=30
